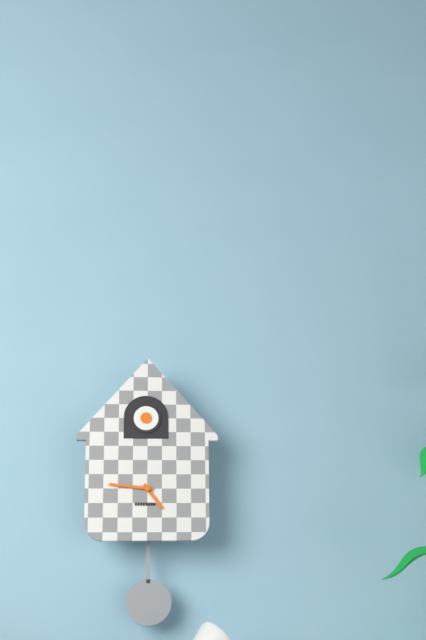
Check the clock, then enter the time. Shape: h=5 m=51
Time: h=4 m=46
